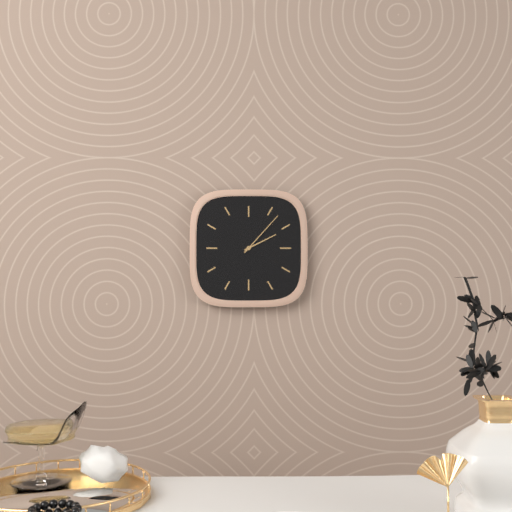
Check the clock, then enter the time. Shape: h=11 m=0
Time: h=2 m=7
